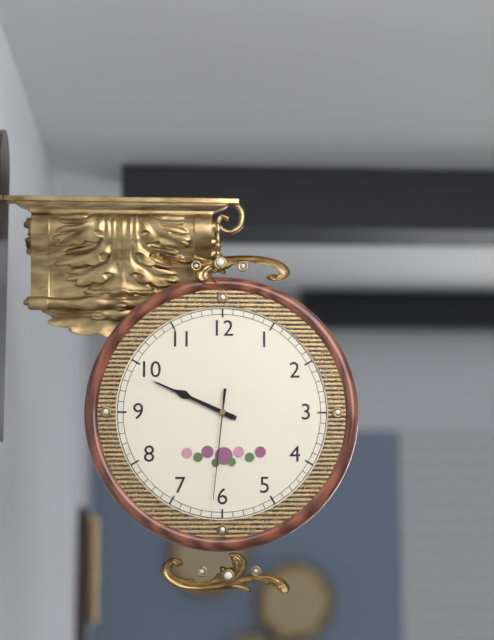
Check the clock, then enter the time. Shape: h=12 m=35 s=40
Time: h=9 m=49 s=31
